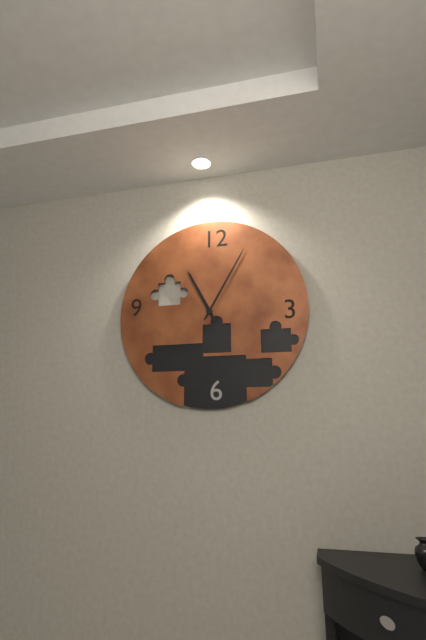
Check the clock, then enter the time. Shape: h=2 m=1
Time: h=11 m=5
